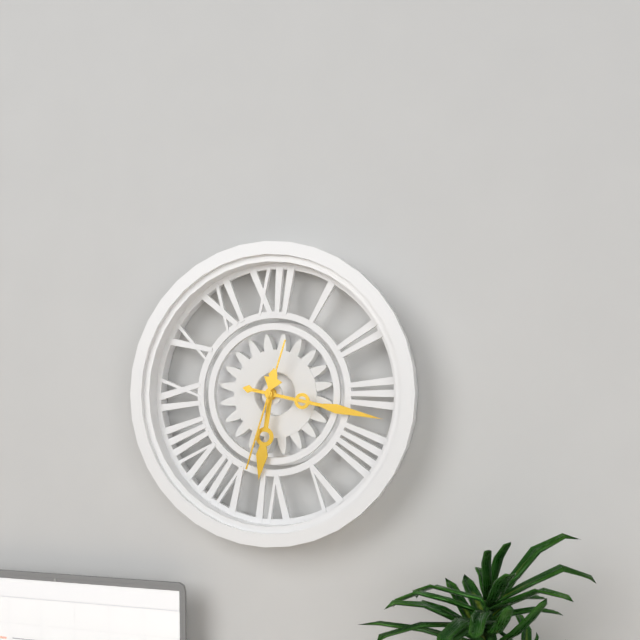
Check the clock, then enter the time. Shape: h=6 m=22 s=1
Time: h=6 m=17 s=33
